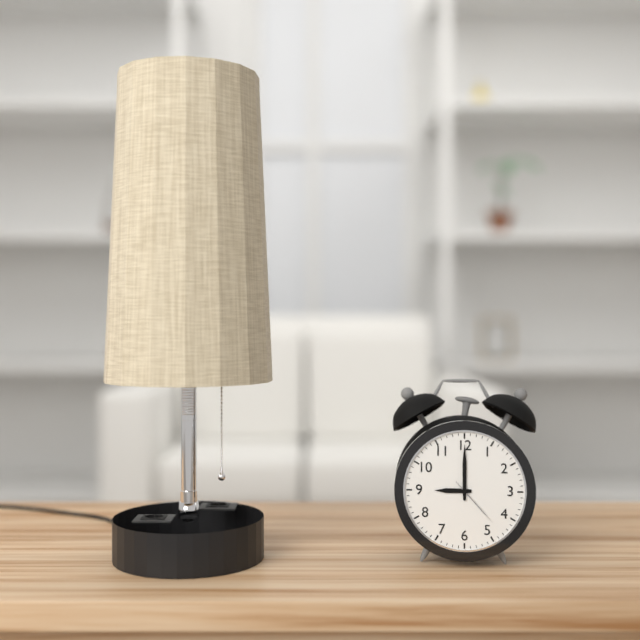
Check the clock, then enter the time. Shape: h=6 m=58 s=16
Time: h=9 m=0 s=23
